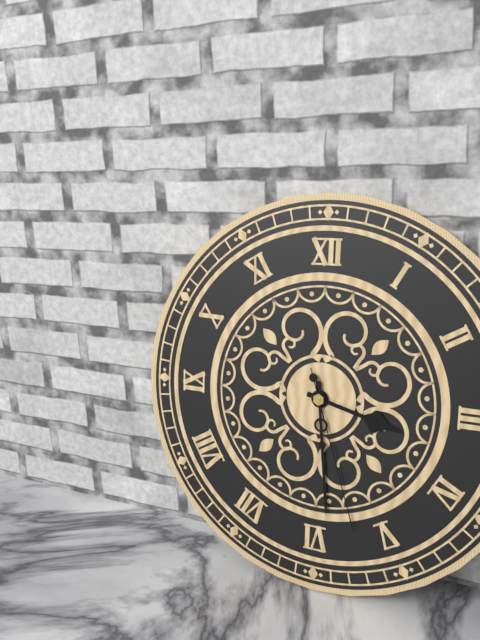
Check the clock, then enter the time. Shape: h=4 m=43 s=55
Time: h=3 m=29 s=27
